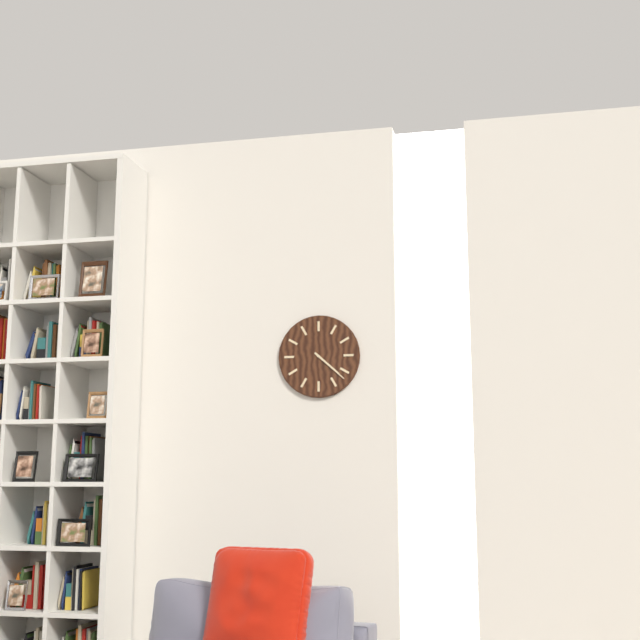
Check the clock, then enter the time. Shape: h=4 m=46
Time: h=4 m=22
